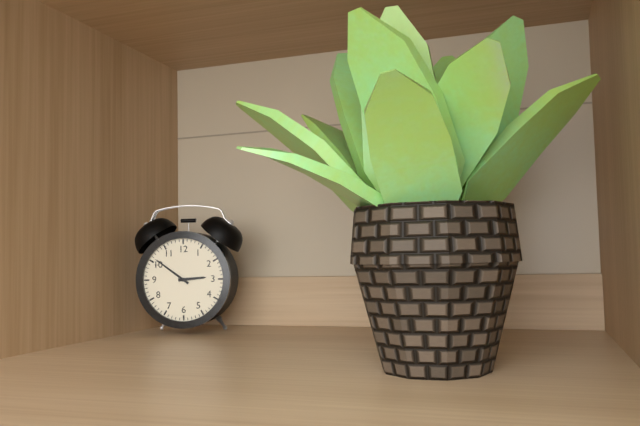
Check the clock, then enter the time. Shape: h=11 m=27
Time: h=2 m=51
